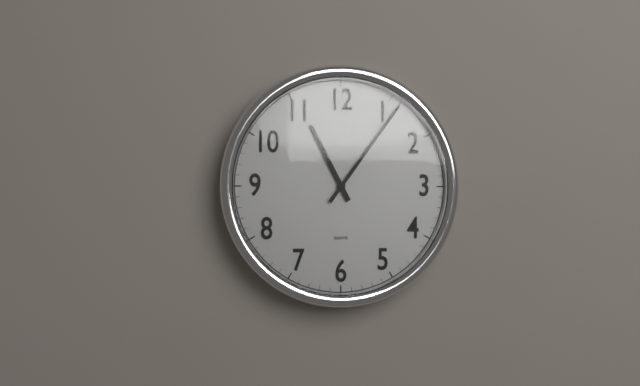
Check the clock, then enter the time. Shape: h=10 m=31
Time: h=11 m=6
